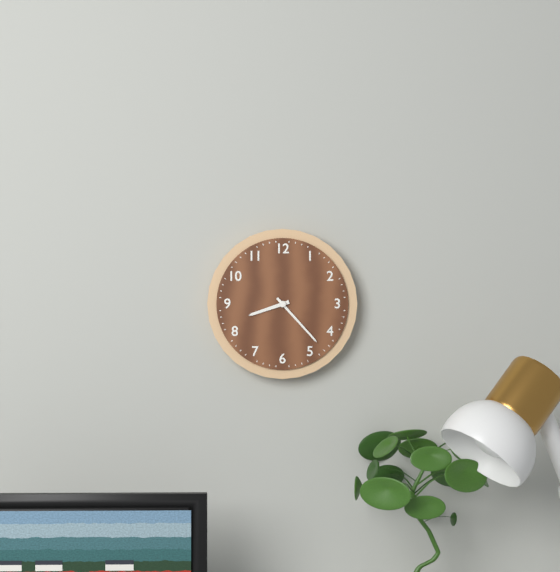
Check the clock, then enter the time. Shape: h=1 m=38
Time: h=8 m=23
